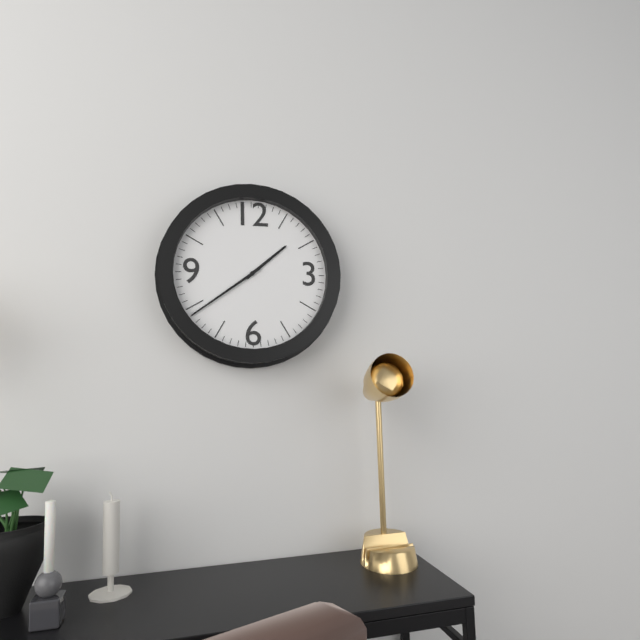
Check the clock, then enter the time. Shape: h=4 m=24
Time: h=1 m=39
